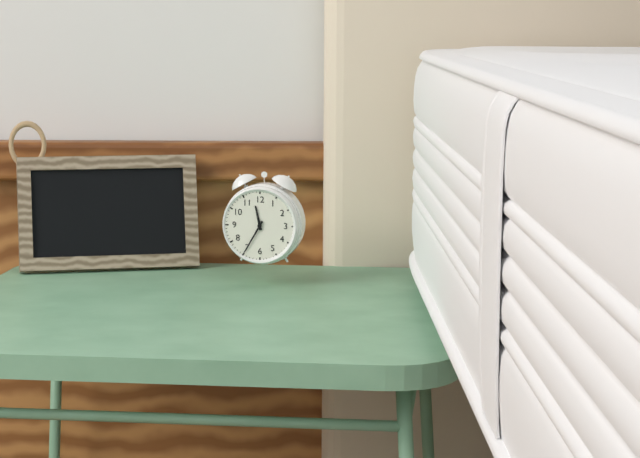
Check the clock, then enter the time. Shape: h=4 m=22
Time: h=11 m=35
